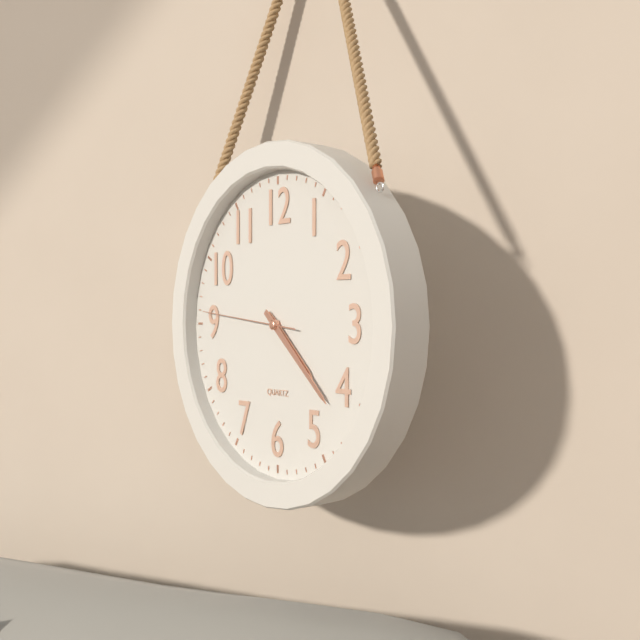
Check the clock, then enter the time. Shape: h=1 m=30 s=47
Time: h=4 m=22 s=46
